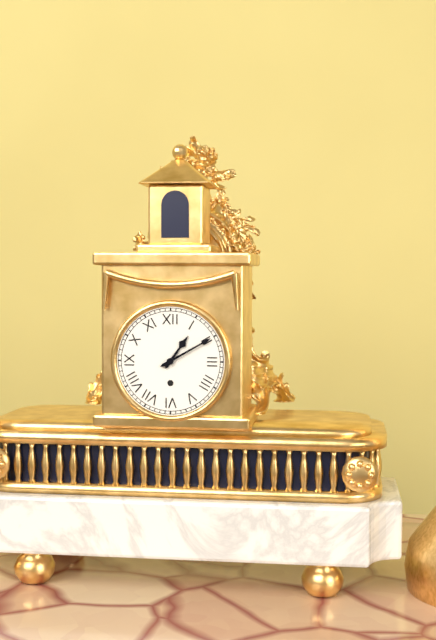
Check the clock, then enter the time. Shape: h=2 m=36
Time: h=1 m=10
